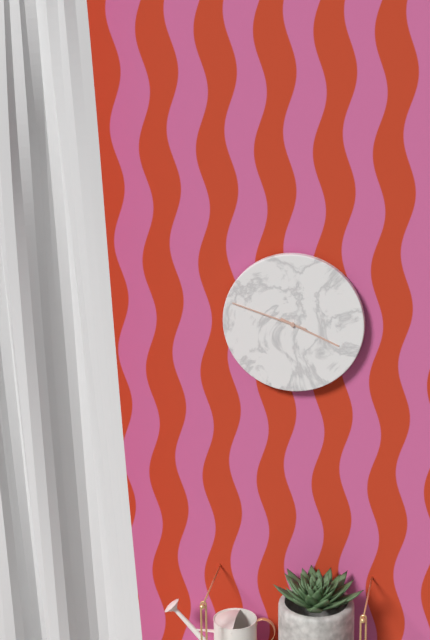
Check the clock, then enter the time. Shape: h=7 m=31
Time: h=3 m=48
